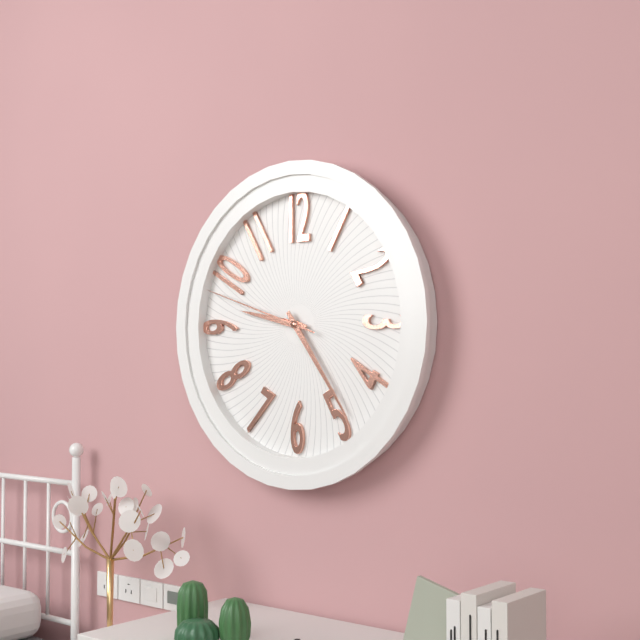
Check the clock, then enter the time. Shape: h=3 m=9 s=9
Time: h=9 m=24 s=48
